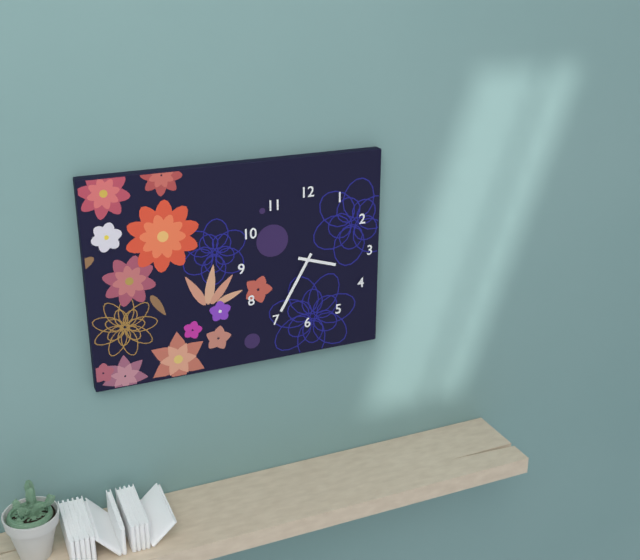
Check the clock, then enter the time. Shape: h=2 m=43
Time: h=3 m=35
